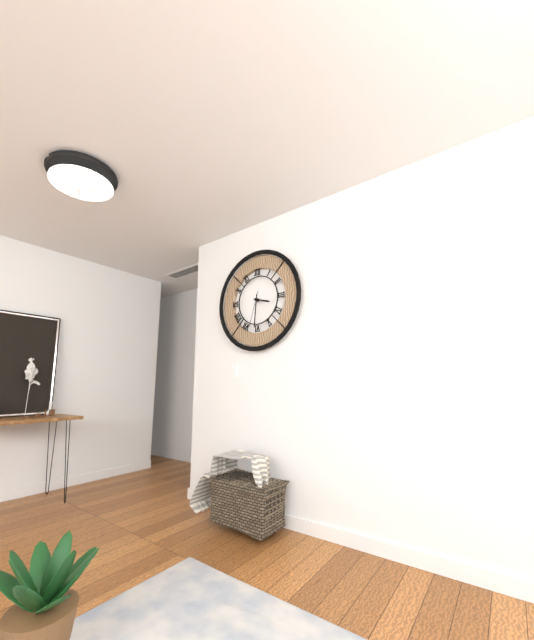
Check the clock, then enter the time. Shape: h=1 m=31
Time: h=3 m=31
